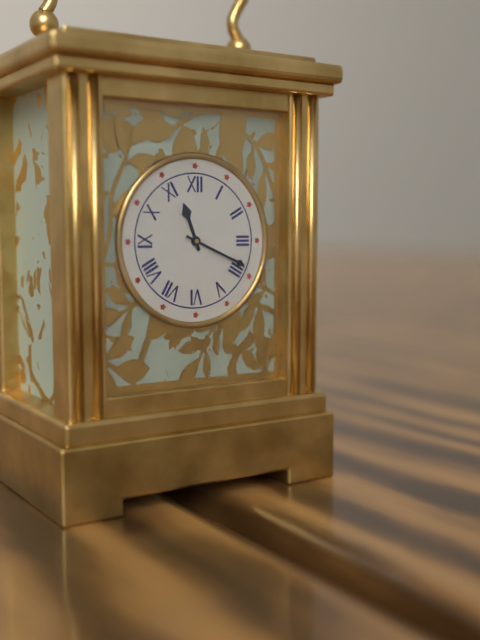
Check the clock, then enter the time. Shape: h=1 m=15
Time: h=11 m=19
